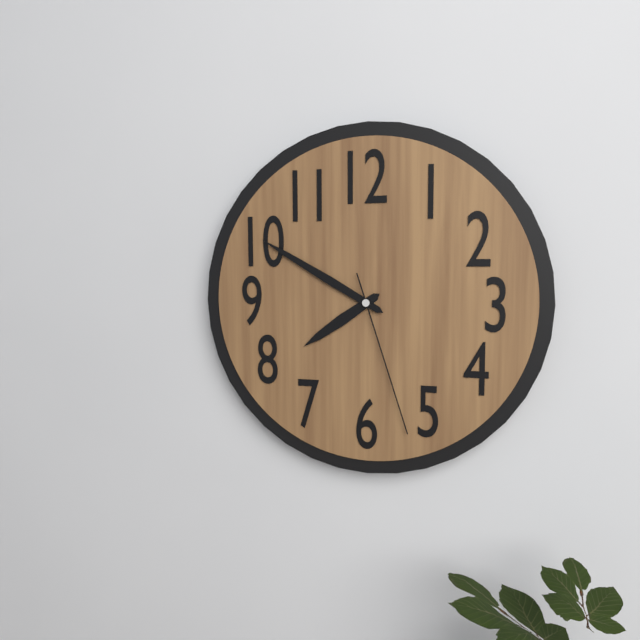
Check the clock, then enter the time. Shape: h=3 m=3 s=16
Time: h=7 m=50 s=27
